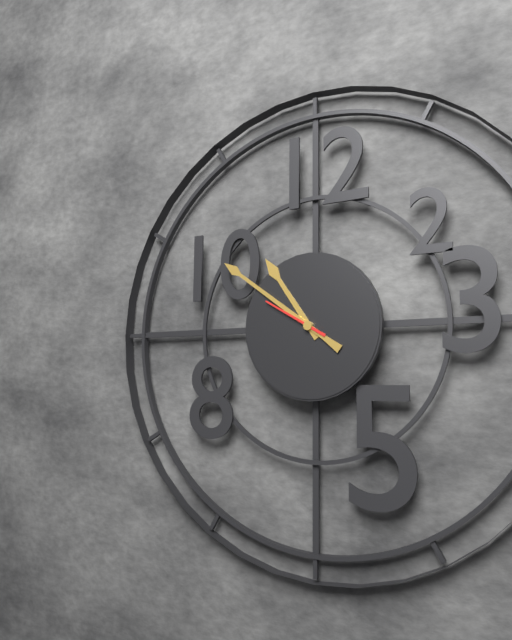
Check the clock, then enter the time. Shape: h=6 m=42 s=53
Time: h=10 m=51 s=50
